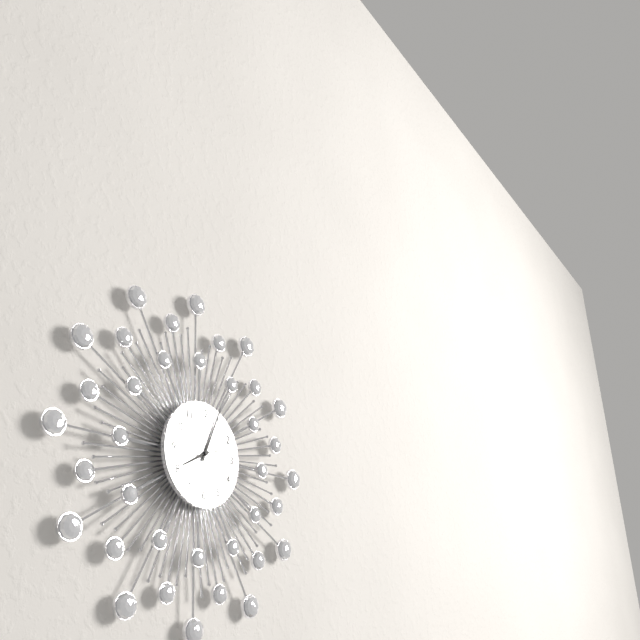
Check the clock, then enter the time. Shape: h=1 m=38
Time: h=8 m=4
